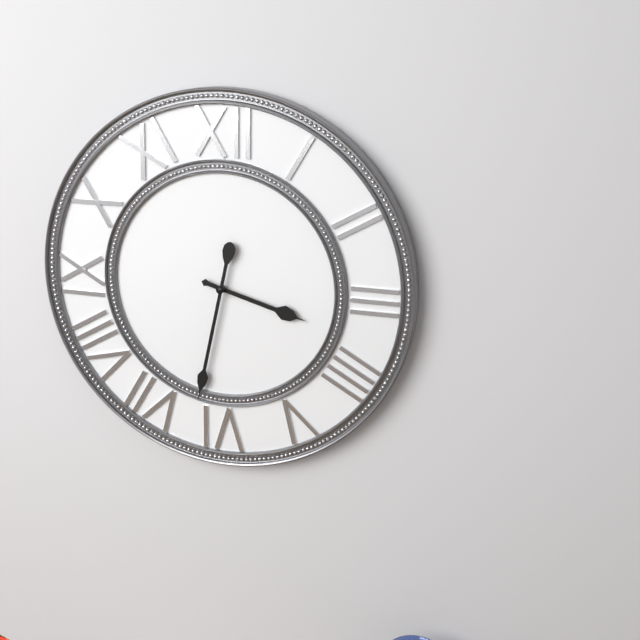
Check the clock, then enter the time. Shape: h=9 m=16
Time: h=3 m=32
